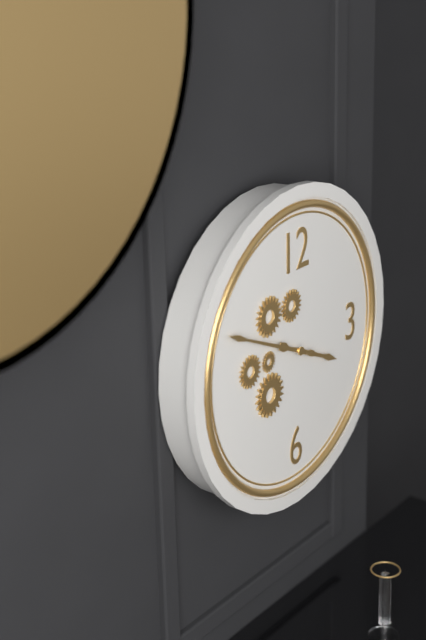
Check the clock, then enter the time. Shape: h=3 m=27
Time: h=3 m=49
